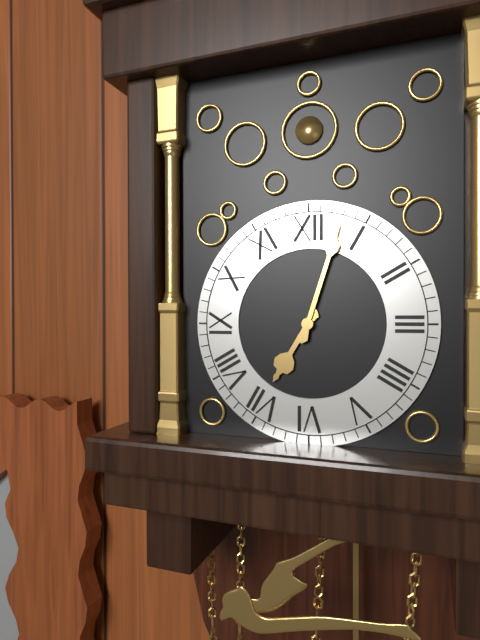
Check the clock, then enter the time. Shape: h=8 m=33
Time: h=7 m=3
